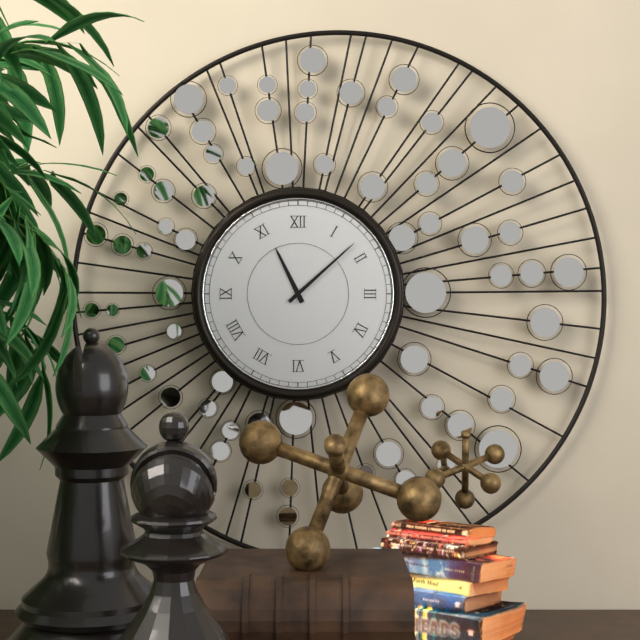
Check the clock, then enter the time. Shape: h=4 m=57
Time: h=11 m=8
